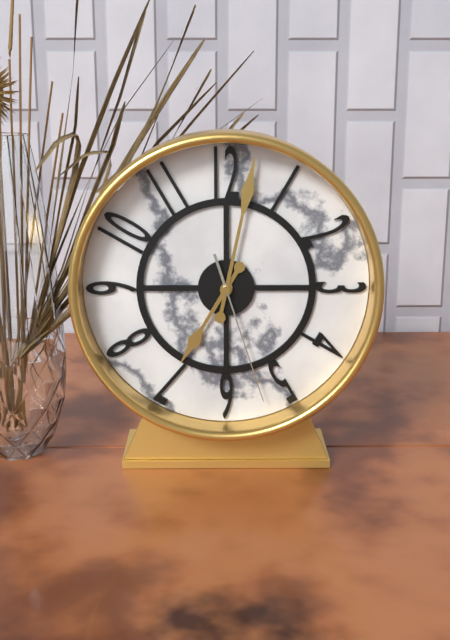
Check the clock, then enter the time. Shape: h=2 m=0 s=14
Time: h=7 m=2 s=27
